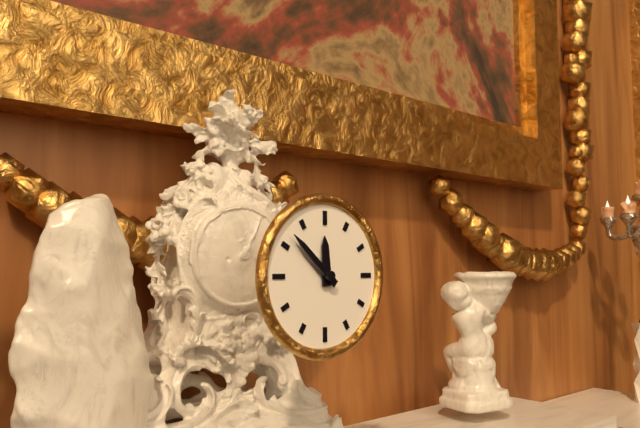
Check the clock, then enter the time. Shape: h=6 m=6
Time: h=11 m=52
